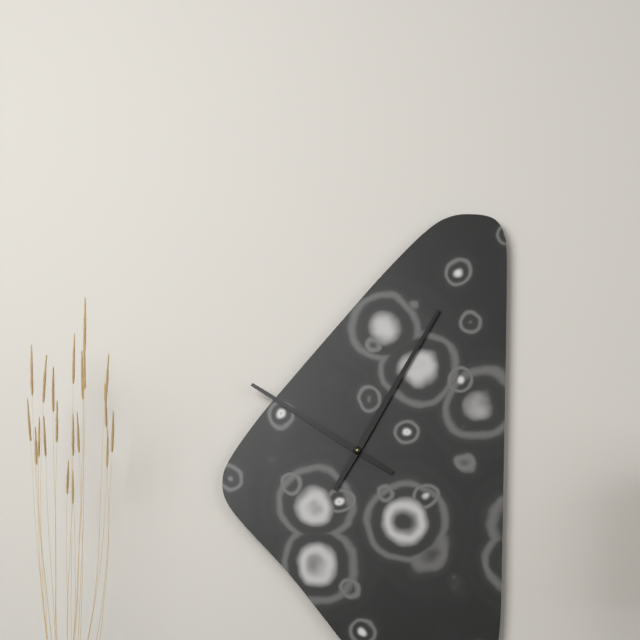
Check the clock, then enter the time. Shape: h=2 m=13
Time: h=10 m=5
